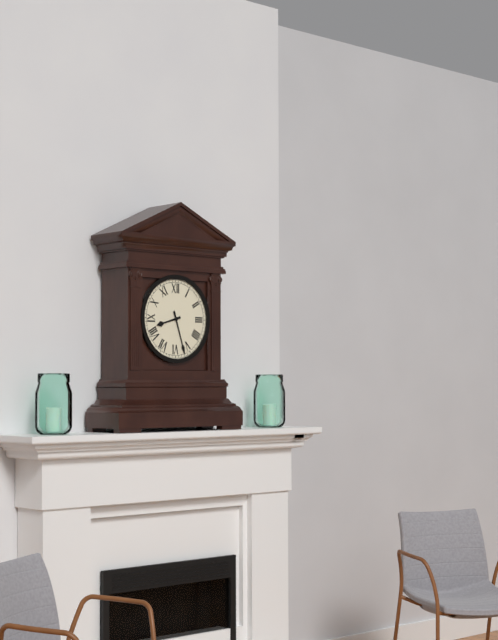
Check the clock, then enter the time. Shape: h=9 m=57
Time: h=8 m=27
